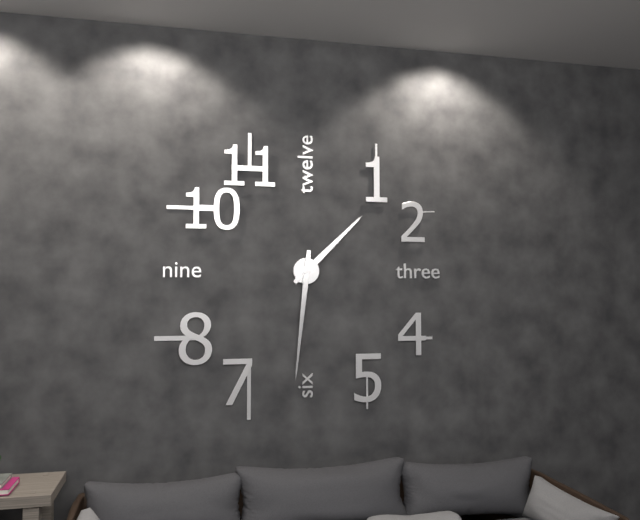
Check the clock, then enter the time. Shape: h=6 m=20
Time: h=1 m=31
